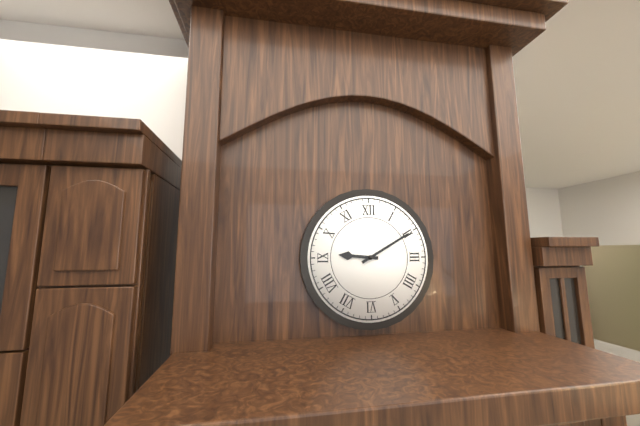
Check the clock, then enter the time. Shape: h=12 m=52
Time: h=9 m=10
